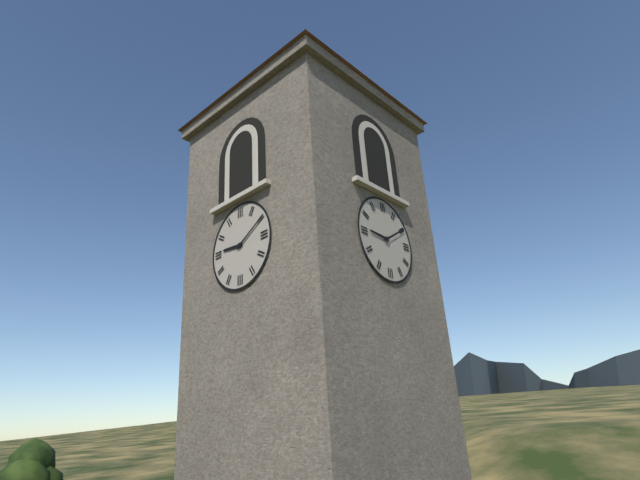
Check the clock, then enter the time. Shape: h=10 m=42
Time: h=9 m=10
